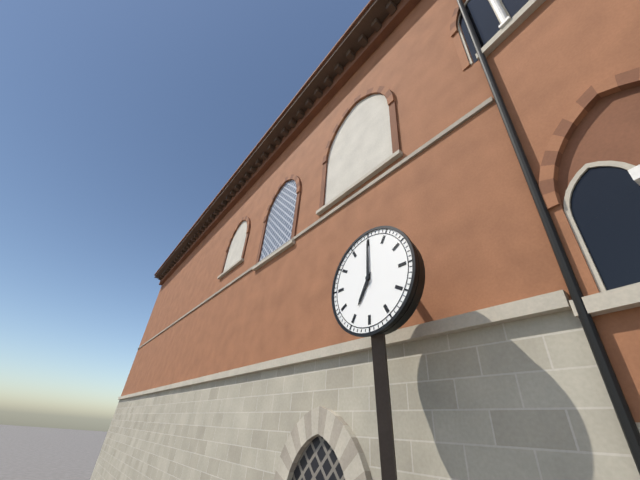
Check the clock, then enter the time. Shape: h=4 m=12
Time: h=7 m=0
